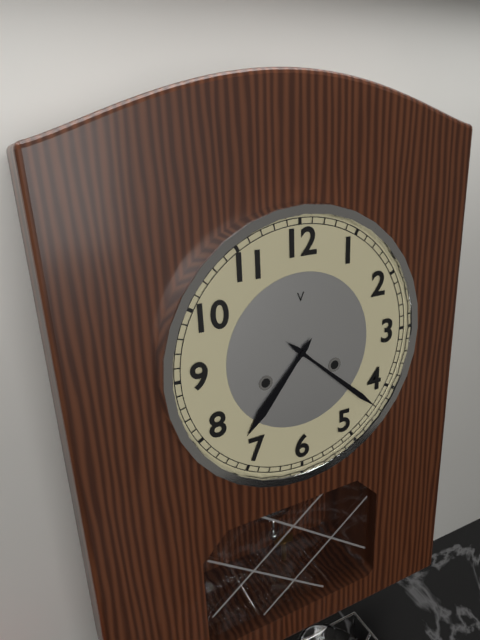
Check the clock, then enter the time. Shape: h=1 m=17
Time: h=7 m=22
